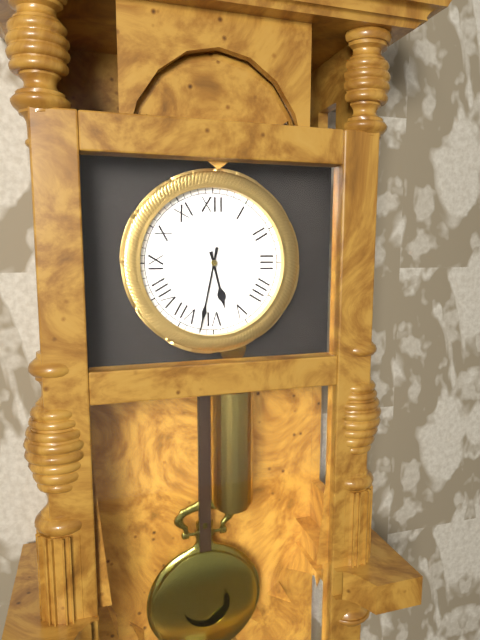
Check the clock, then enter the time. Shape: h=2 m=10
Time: h=5 m=32
